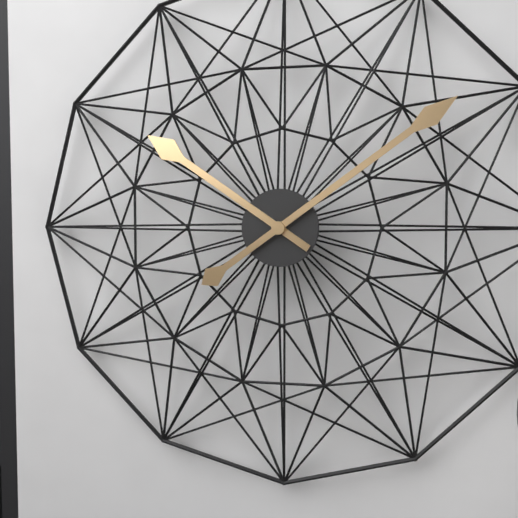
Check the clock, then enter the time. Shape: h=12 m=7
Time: h=10 m=9
